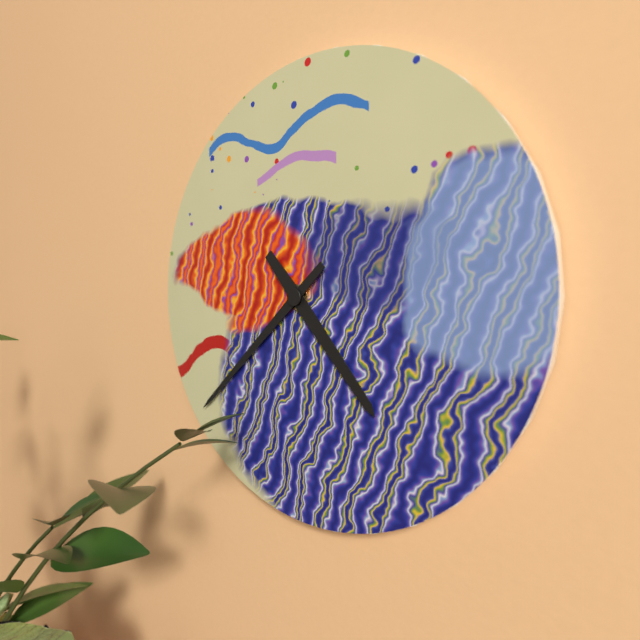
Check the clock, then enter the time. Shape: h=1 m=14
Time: h=4 m=38
